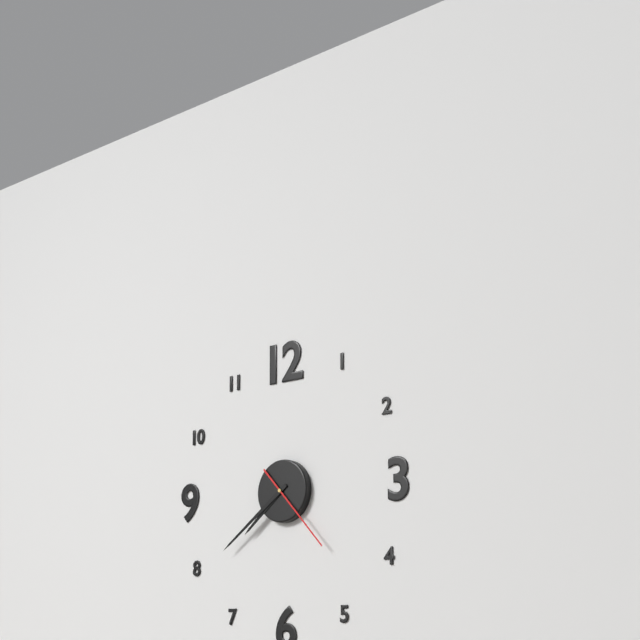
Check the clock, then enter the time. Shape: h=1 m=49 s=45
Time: h=7 m=39 s=23
